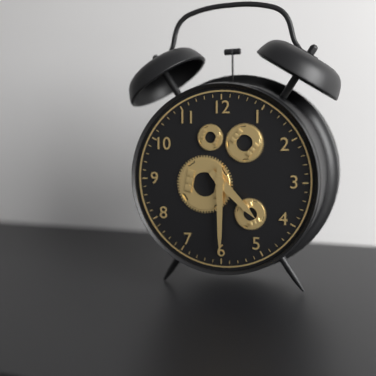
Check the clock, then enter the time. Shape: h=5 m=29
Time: h=4 m=30
